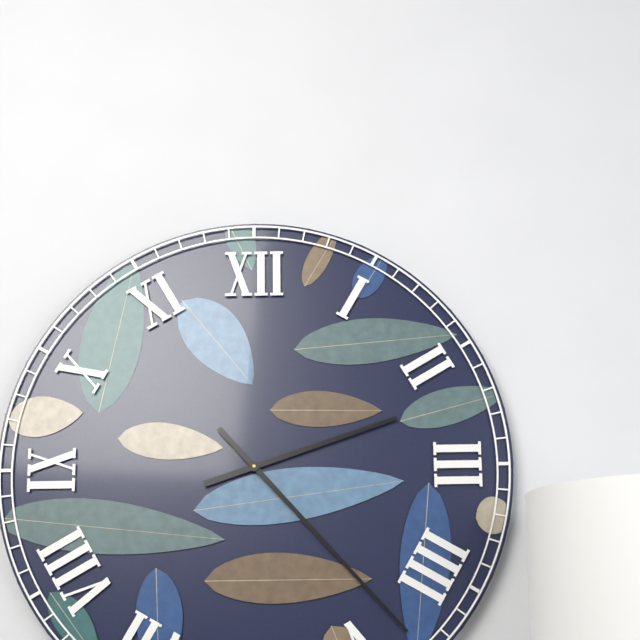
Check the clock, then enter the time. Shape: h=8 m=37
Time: h=2 m=23
